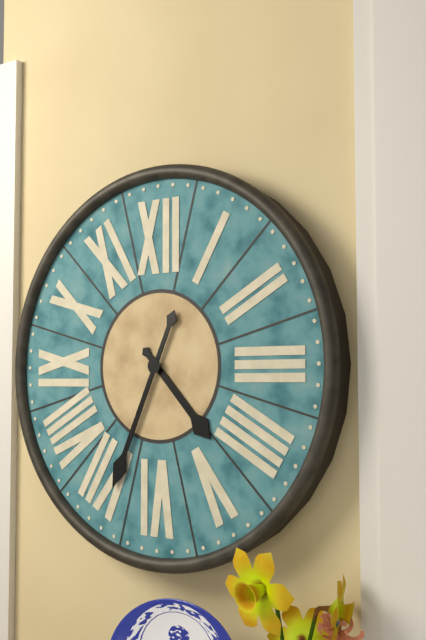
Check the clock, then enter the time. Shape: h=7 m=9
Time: h=4 m=34
